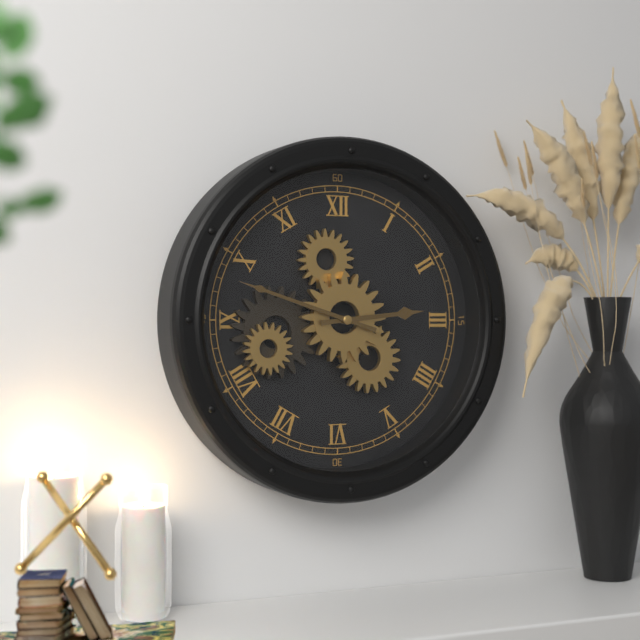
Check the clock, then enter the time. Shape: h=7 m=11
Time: h=2 m=48
